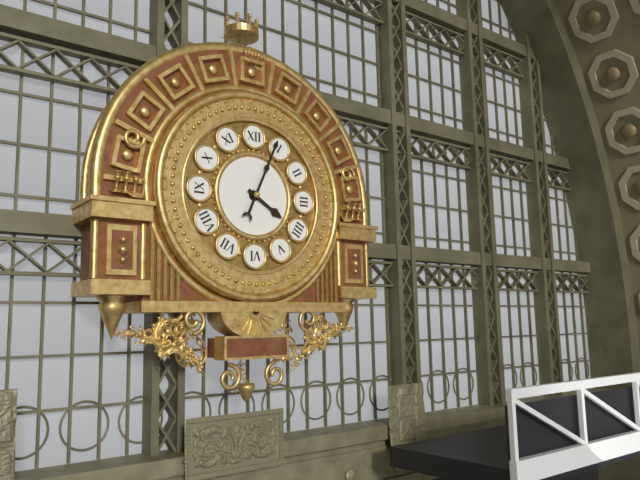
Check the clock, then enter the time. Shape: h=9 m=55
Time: h=4 m=4
